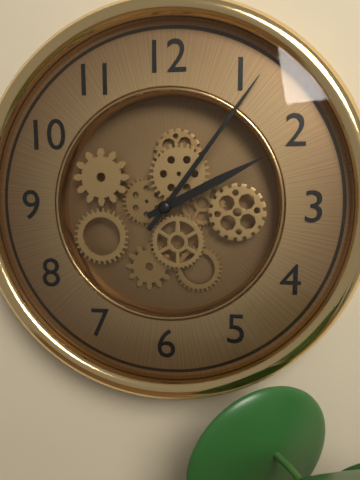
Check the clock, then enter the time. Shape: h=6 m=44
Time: h=2 m=6
